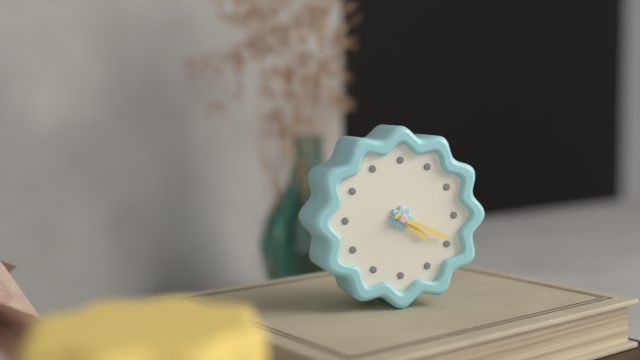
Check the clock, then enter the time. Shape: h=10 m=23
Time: h=4 m=19
